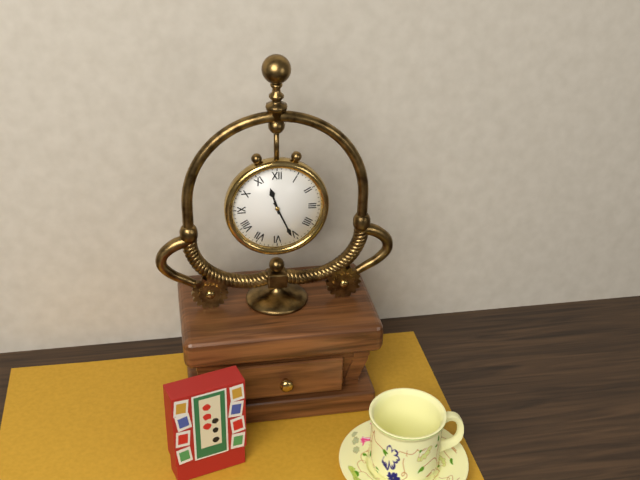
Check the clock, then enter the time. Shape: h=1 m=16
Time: h=11 m=26
